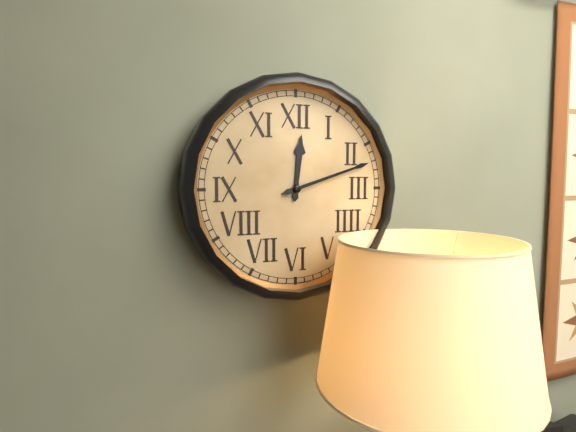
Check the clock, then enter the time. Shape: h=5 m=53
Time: h=12 m=12
